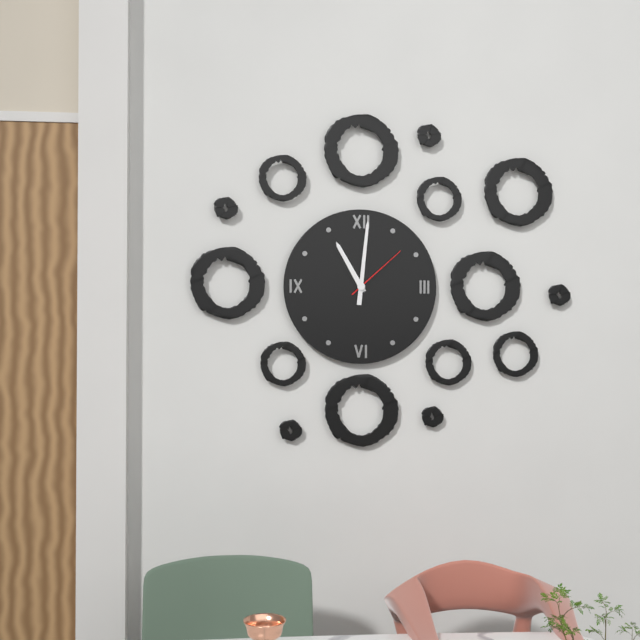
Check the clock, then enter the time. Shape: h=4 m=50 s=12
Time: h=11 m=1 s=8
